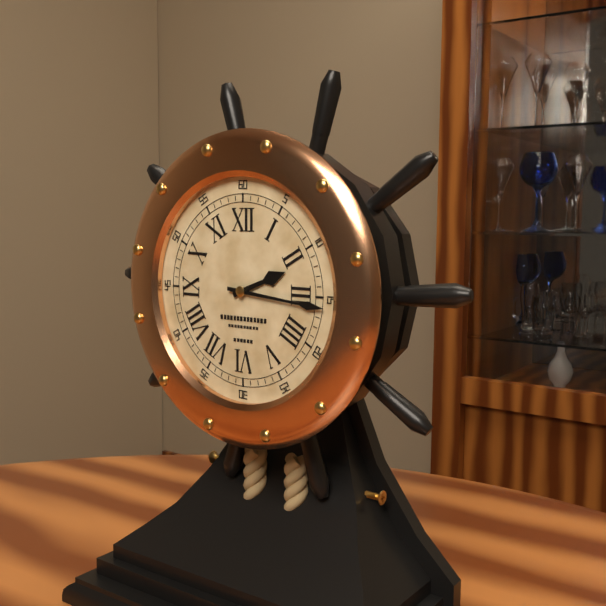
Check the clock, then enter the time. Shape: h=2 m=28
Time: h=2 m=16
